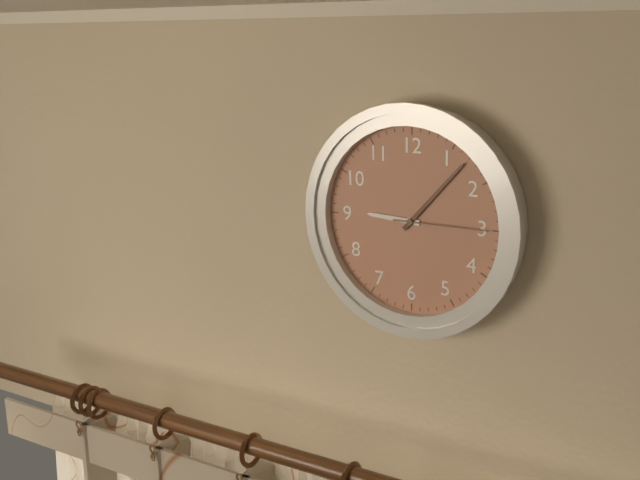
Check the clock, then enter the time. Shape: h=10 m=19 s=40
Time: h=9 m=7 s=15
